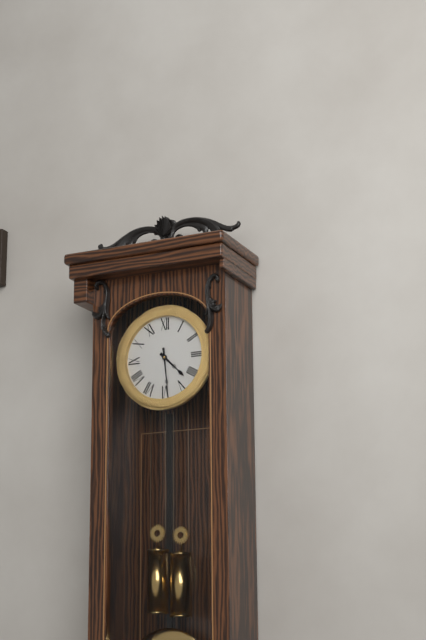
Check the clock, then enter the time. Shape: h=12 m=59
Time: h=4 m=29
